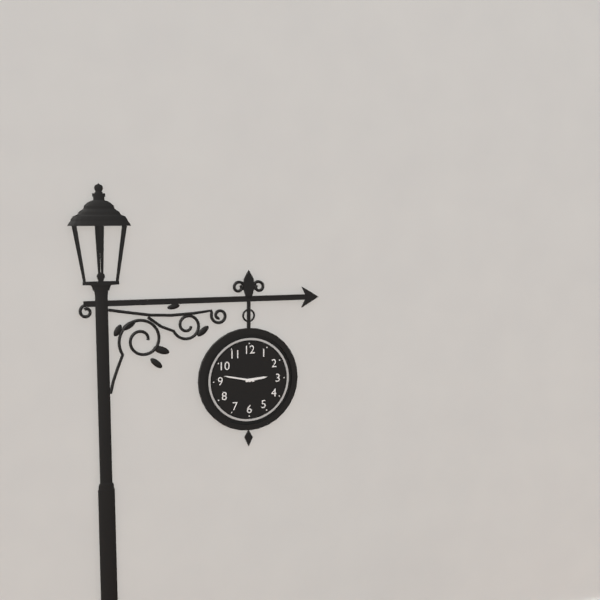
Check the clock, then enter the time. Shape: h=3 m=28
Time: h=2 m=47
